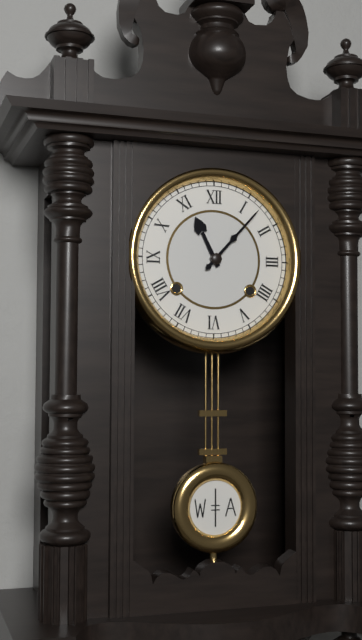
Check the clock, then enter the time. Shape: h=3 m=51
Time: h=11 m=7
